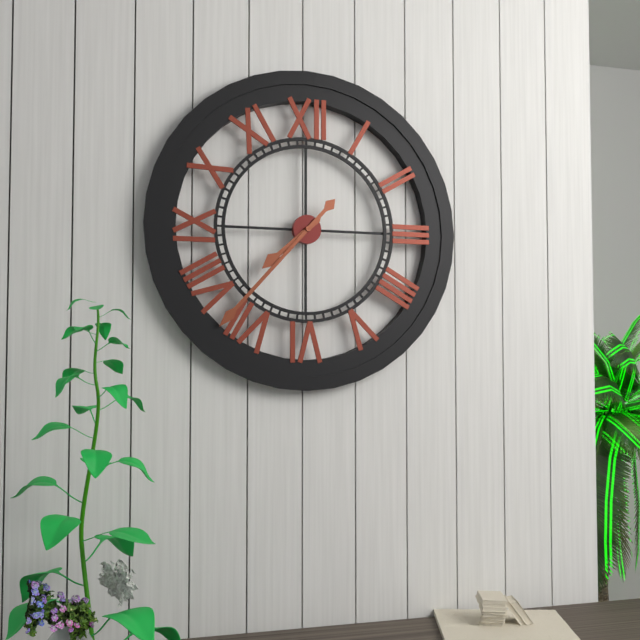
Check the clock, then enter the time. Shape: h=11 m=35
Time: h=7 m=37
